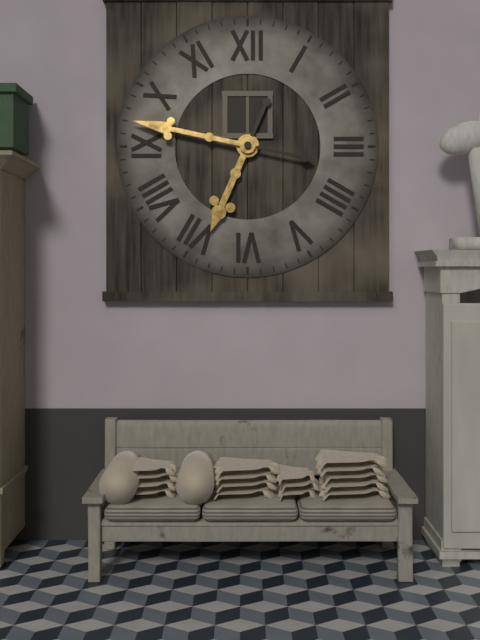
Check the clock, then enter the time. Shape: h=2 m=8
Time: h=6 m=47
